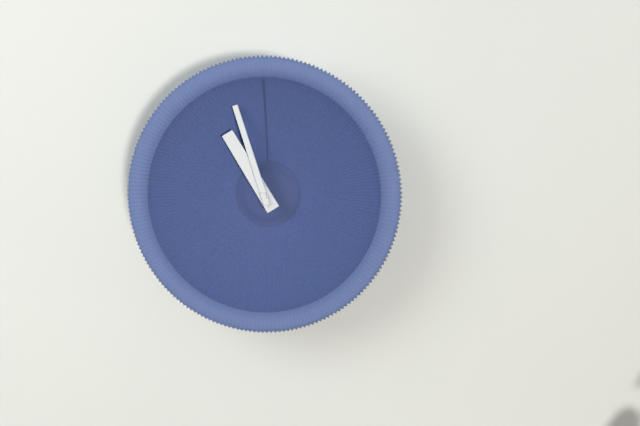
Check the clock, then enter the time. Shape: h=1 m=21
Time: h=10 m=57
